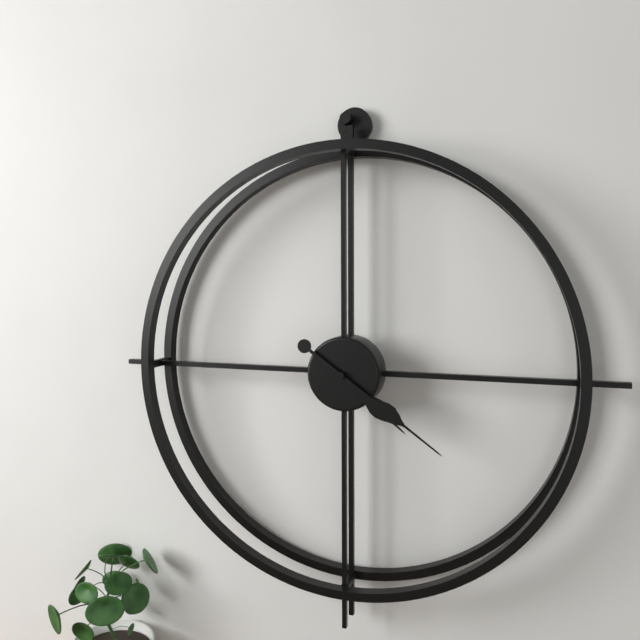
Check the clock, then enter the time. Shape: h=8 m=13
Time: h=4 m=21
